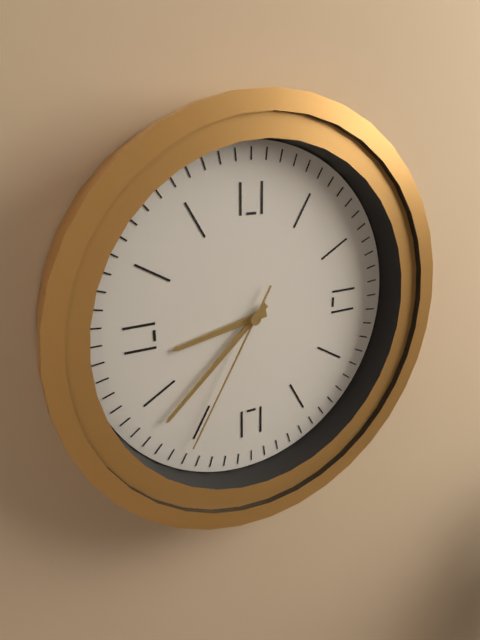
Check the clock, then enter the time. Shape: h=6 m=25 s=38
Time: h=8 m=38 s=35
